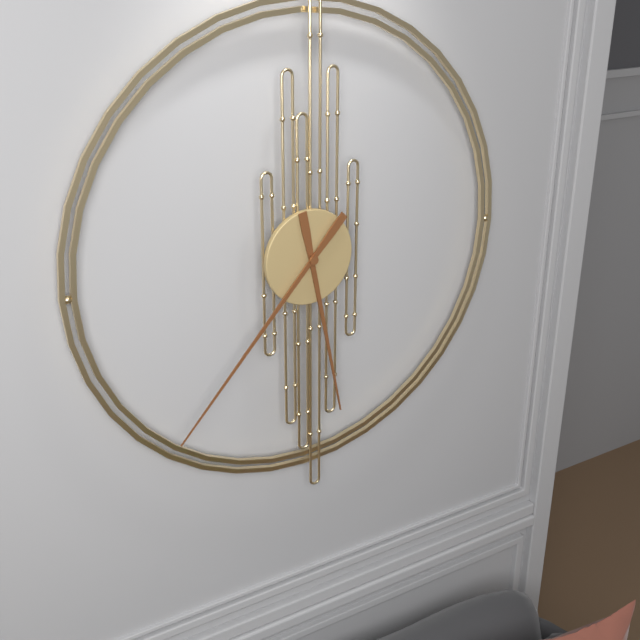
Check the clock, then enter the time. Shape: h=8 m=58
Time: h=5 m=37
